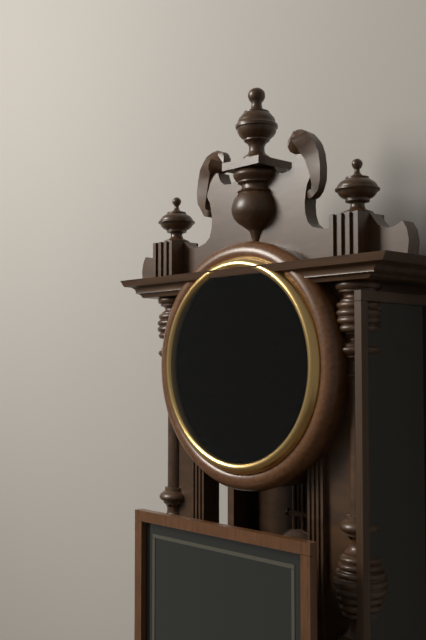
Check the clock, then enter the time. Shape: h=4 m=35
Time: h=10 m=18
